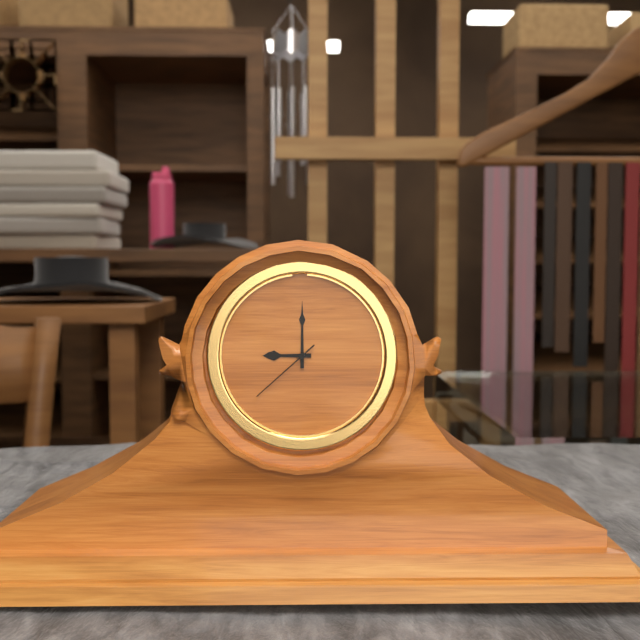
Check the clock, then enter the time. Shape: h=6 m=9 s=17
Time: h=9 m=0 s=38
